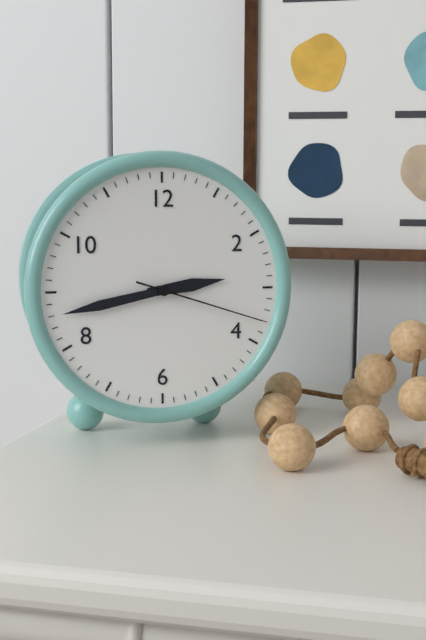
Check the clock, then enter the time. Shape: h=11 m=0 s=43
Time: h=2 m=43 s=18
